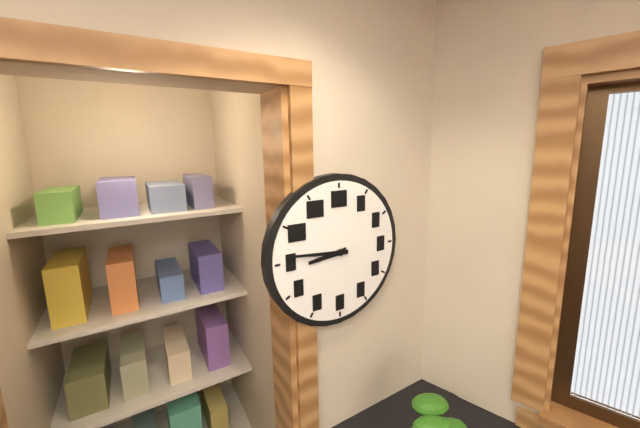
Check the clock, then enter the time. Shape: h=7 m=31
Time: h=8 m=46
